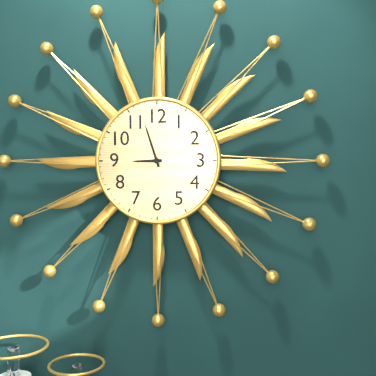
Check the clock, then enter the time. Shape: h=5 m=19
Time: h=8 m=57
